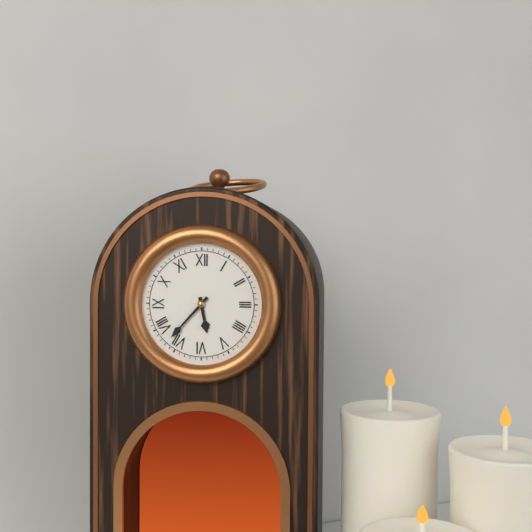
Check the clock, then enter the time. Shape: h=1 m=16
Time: h=5 m=37
